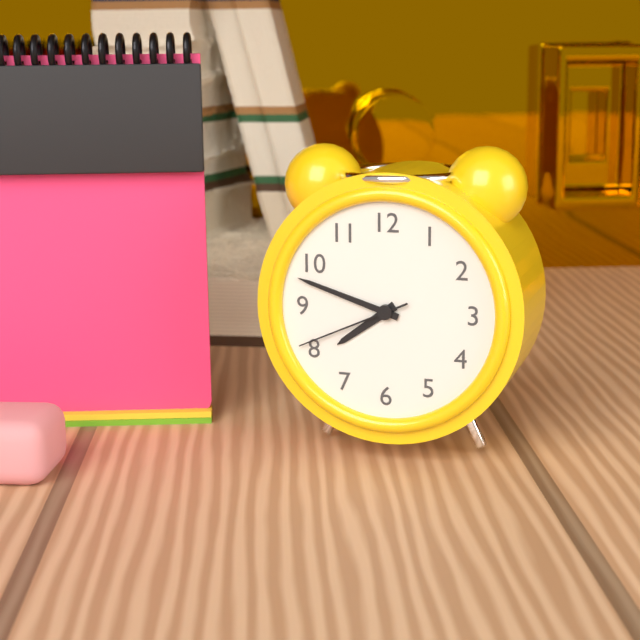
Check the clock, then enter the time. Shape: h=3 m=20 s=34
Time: h=7 m=48 s=41
